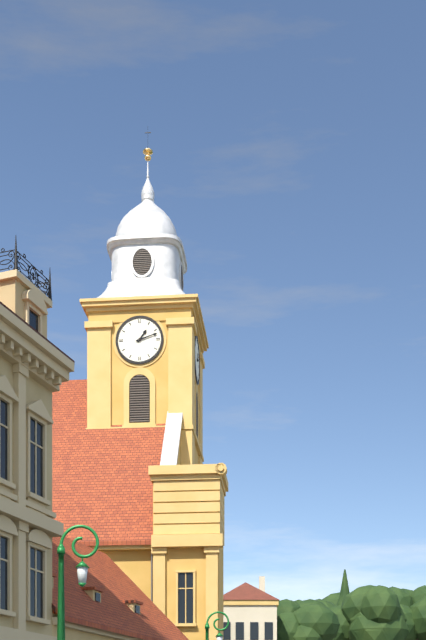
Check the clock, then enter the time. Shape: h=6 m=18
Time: h=1 m=12
